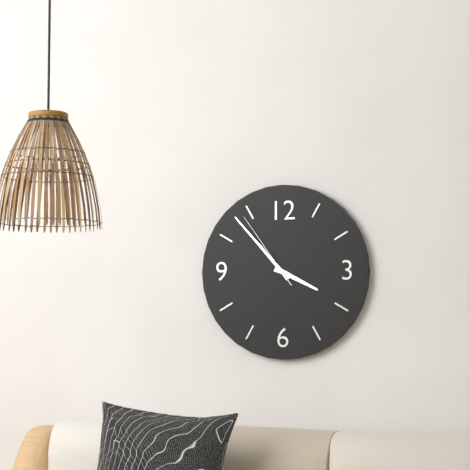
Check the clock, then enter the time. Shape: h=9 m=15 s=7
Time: h=3 m=53 s=54
